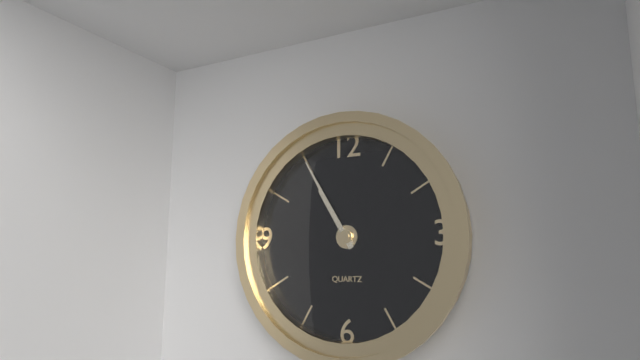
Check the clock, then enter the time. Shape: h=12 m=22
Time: h=10 m=55
